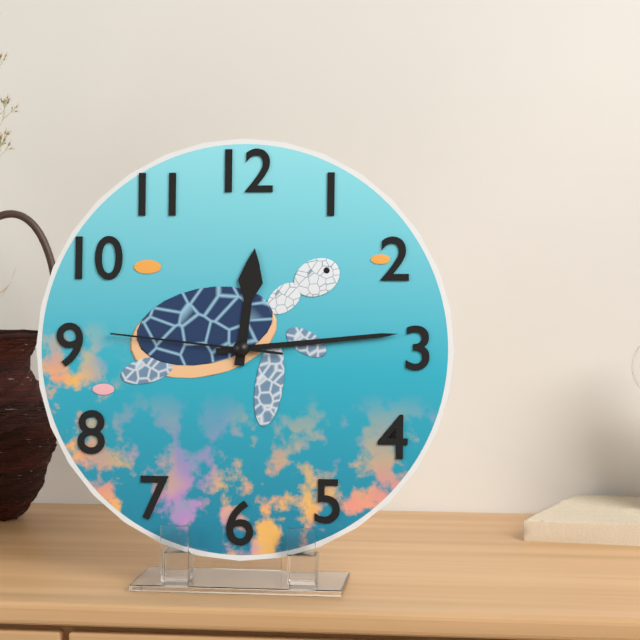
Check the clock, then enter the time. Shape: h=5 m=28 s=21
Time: h=12 m=14 s=46
